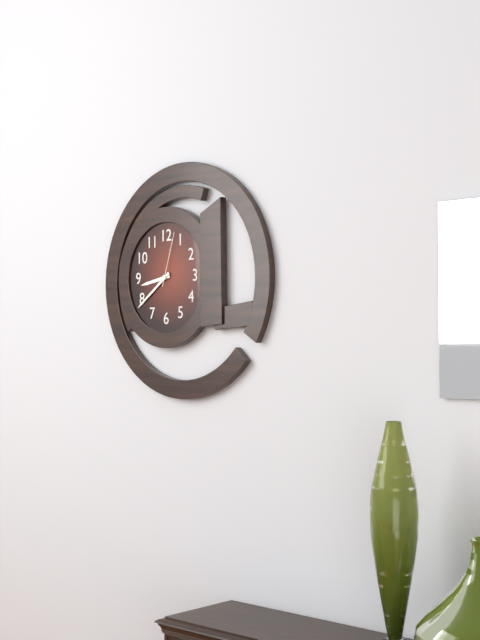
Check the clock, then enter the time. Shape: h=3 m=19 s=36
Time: h=8 m=39 s=3
